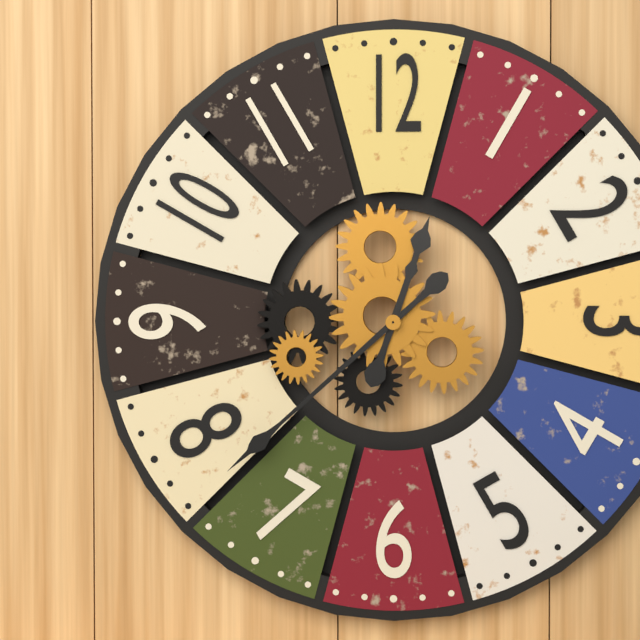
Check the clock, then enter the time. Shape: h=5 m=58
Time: h=12 m=38
